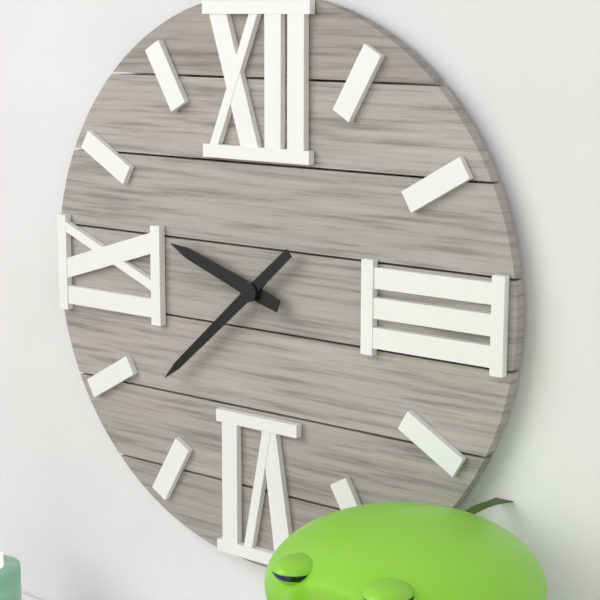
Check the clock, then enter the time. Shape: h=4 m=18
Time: h=9 m=38
